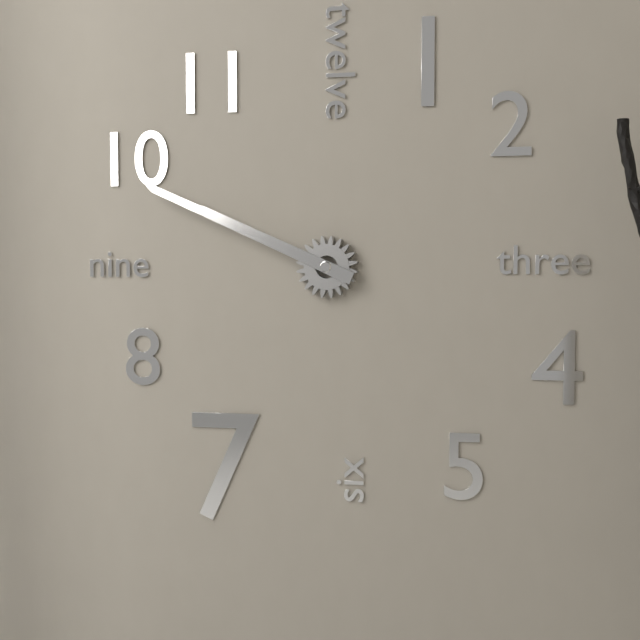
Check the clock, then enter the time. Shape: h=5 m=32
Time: h=9 m=49
